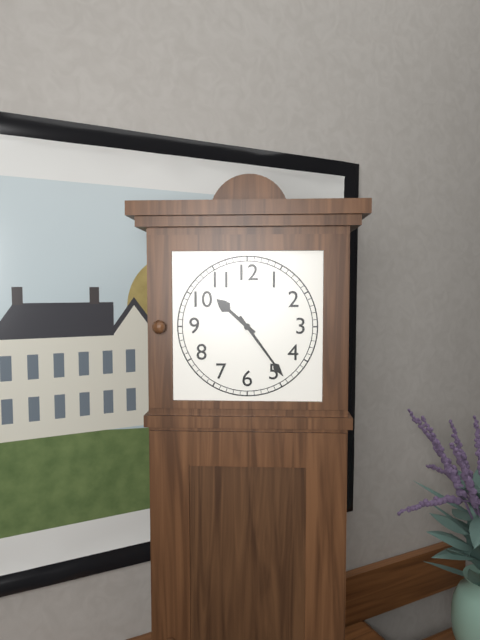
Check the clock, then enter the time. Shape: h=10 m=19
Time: h=10 m=24
